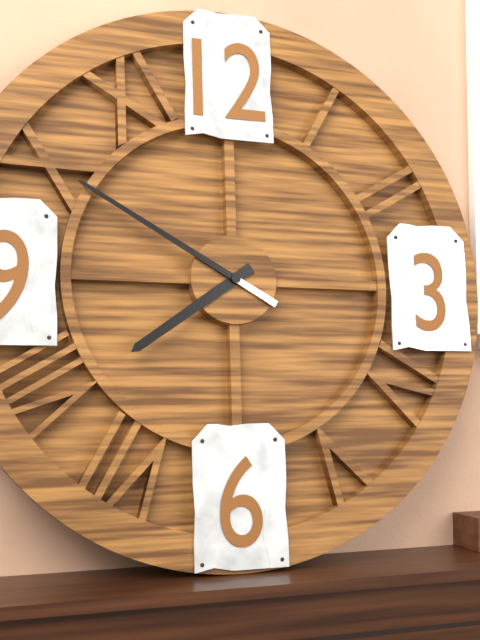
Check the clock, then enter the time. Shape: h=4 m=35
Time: h=7 m=50
